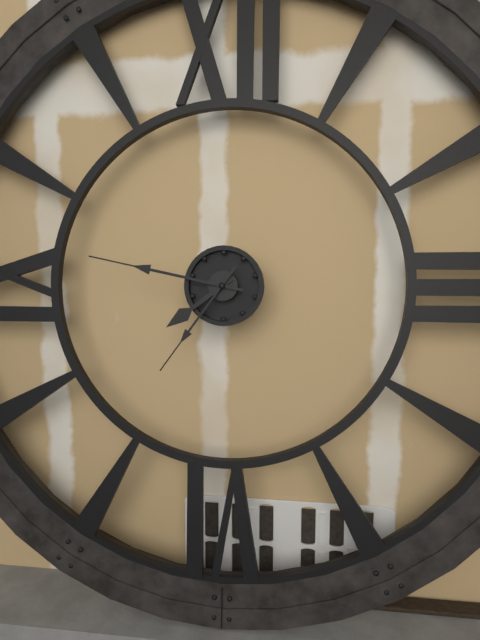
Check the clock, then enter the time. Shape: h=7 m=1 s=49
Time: h=7 m=47 s=36
